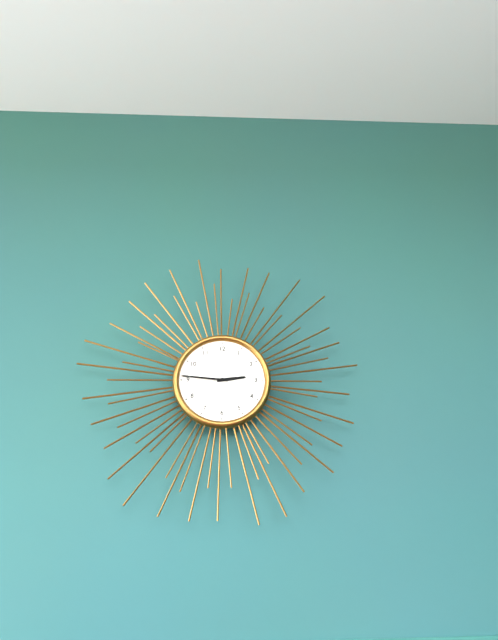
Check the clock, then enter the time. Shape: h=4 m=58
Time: h=2 m=46
